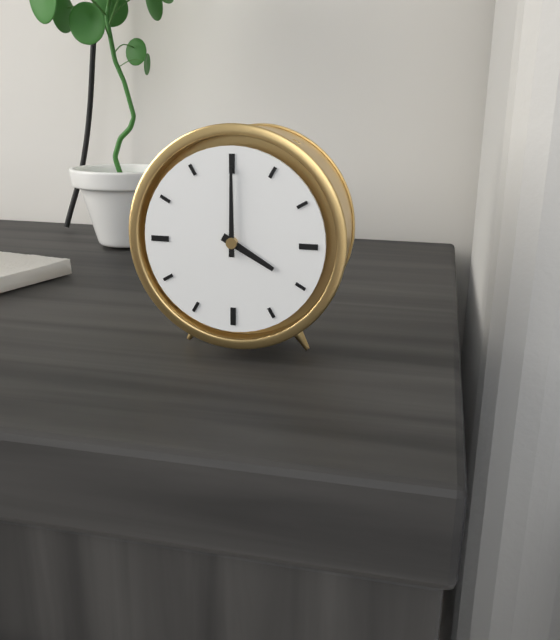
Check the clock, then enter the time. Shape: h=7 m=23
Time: h=4 m=0
